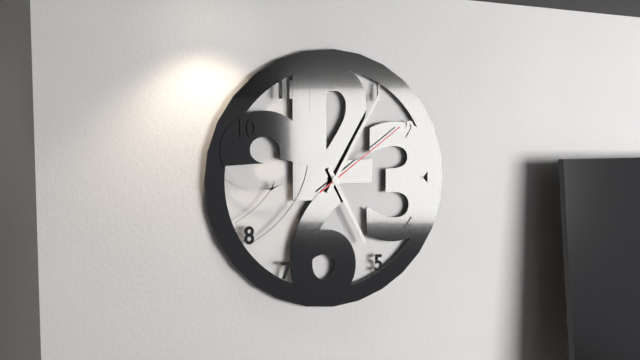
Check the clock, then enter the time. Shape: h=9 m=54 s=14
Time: h=5 m=5 s=9
